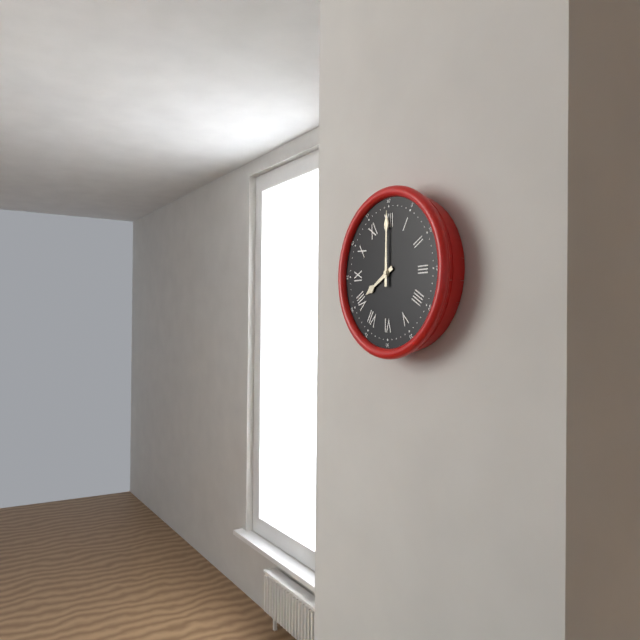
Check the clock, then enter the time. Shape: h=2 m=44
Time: h=8 m=0
